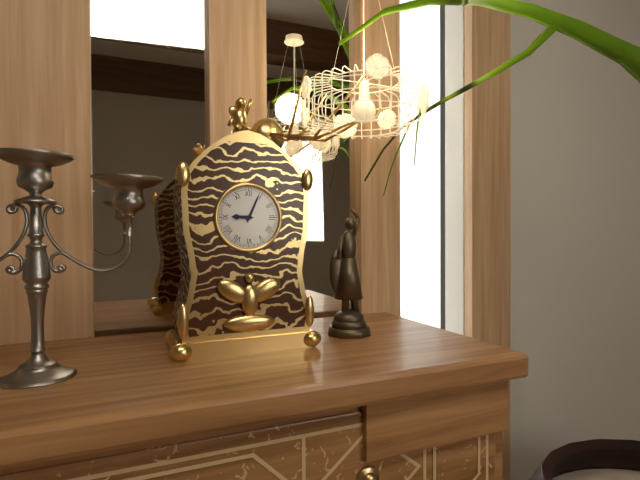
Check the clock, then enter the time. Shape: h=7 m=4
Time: h=9 m=4
